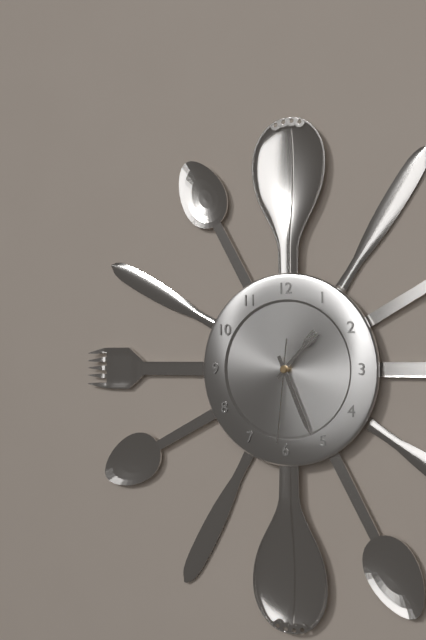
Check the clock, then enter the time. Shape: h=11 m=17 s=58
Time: h=1 m=26 s=31
